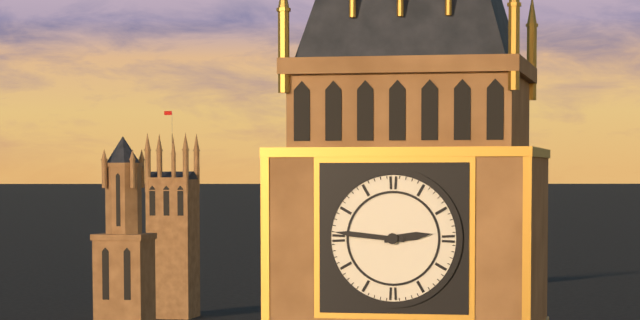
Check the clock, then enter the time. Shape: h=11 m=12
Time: h=2 m=46
